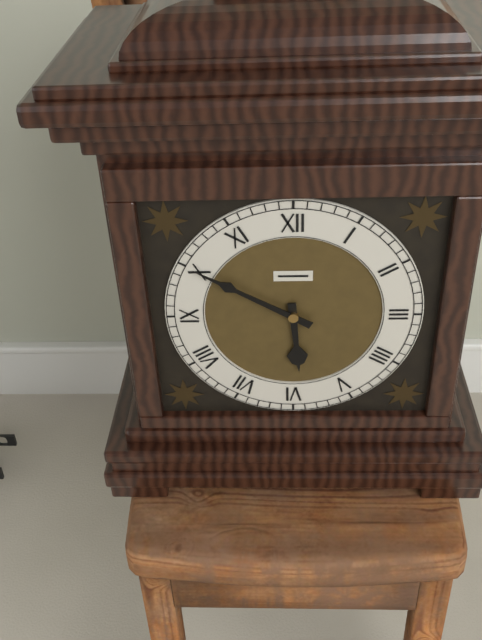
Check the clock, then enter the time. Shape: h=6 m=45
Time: h=5 m=50
